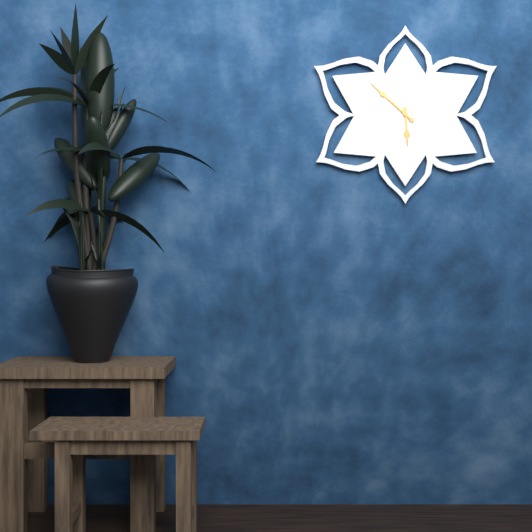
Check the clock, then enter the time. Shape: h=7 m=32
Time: h=5 m=52
